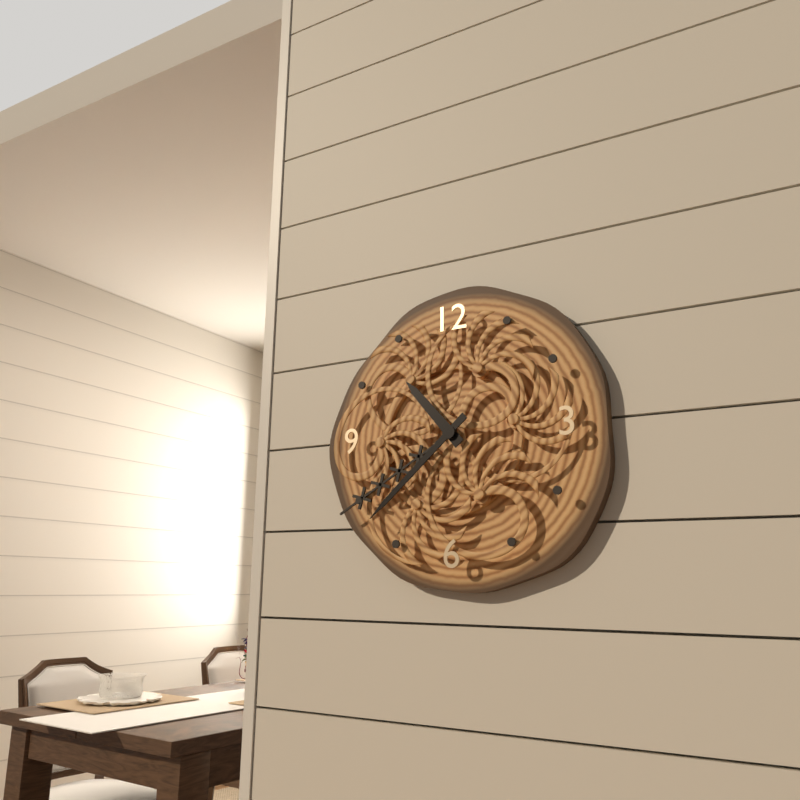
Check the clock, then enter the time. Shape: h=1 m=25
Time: h=10 m=38
